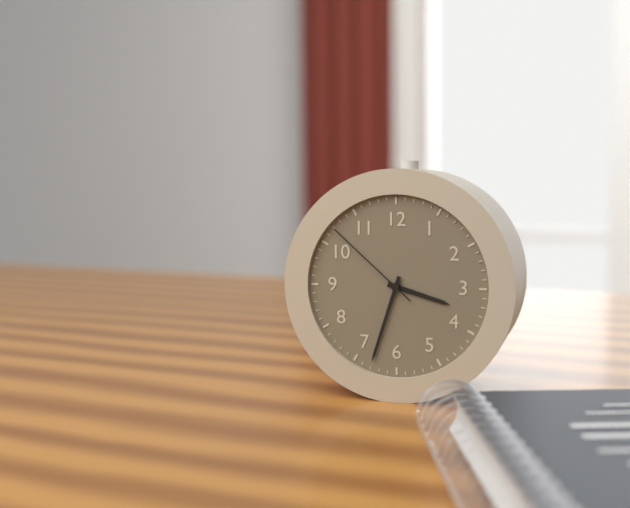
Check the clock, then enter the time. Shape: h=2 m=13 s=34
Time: h=3 m=33 s=52
